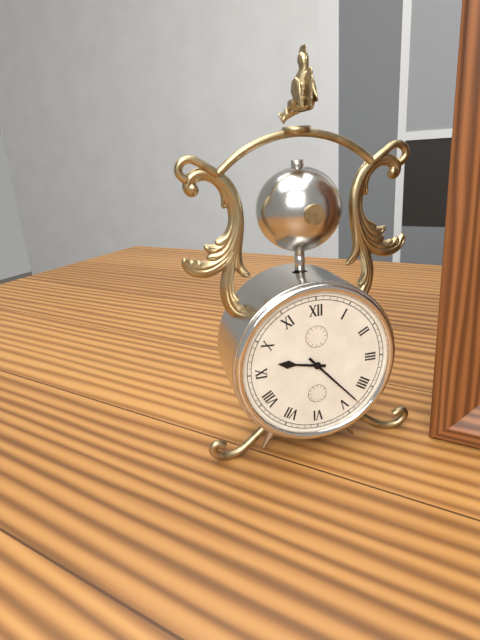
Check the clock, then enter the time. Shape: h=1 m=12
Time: h=9 m=23
